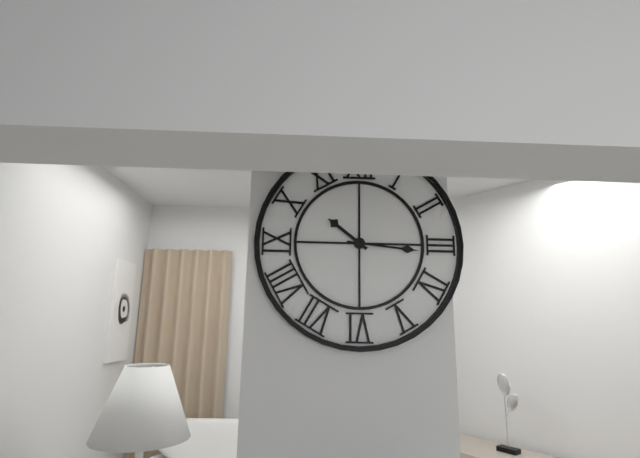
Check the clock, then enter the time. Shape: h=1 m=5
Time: h=10 m=16
